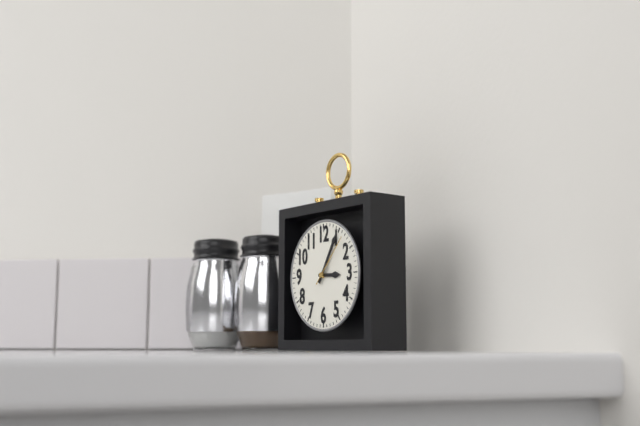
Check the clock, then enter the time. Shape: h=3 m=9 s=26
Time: h=3 m=5 s=7
